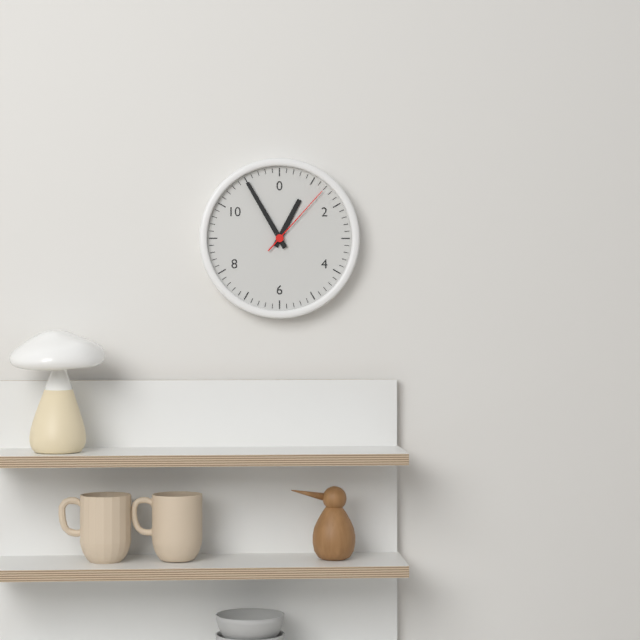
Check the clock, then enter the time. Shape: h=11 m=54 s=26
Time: h=12 m=55 s=7
